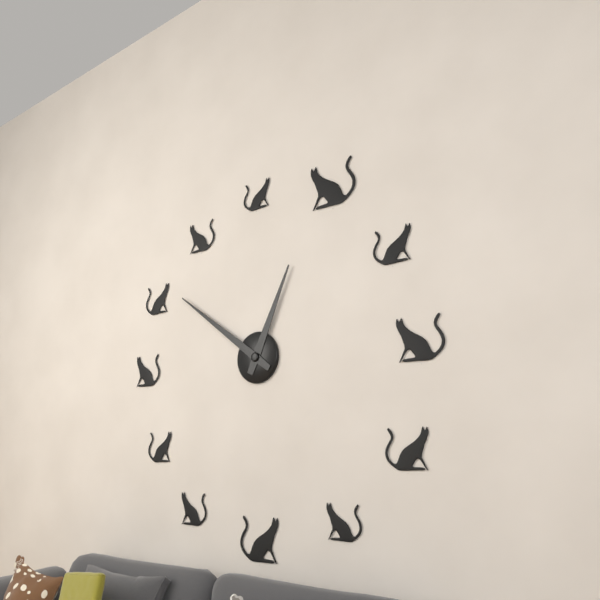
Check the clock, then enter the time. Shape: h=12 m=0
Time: h=12 m=51
